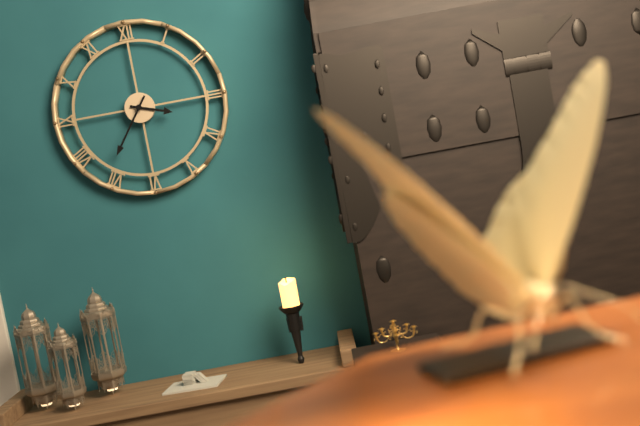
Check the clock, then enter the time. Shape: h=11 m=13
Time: h=3 m=36
